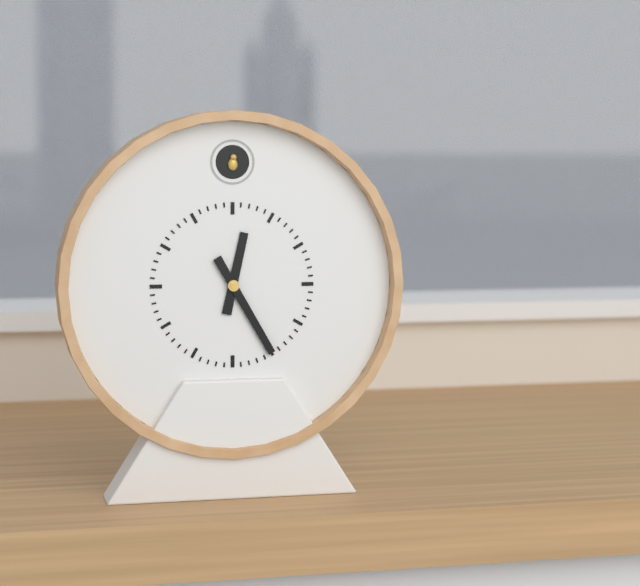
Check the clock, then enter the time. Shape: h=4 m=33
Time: h=12 m=25
